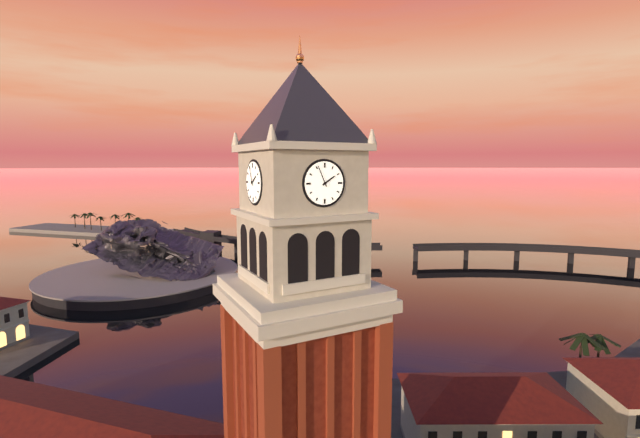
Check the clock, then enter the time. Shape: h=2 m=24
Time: h=1 m=56
